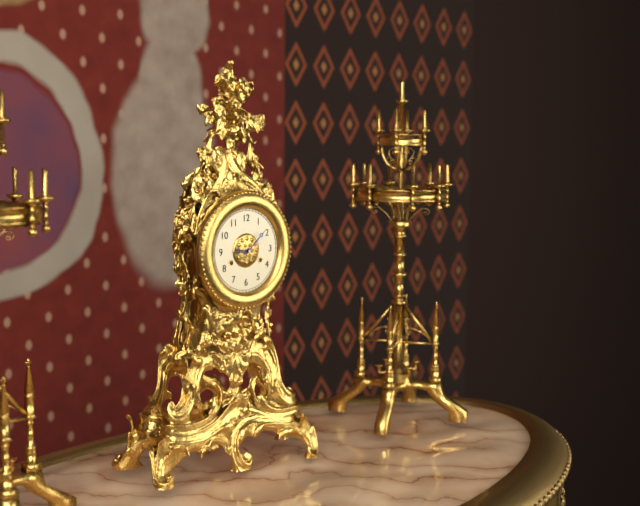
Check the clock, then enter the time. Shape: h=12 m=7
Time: h=9 m=8
